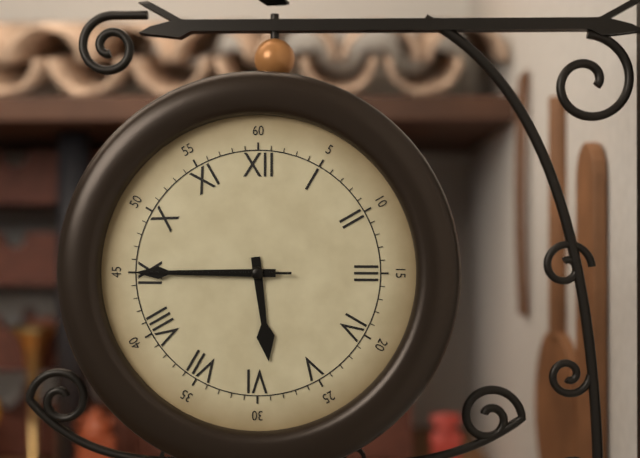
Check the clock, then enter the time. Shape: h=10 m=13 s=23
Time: h=5 m=45 s=45
